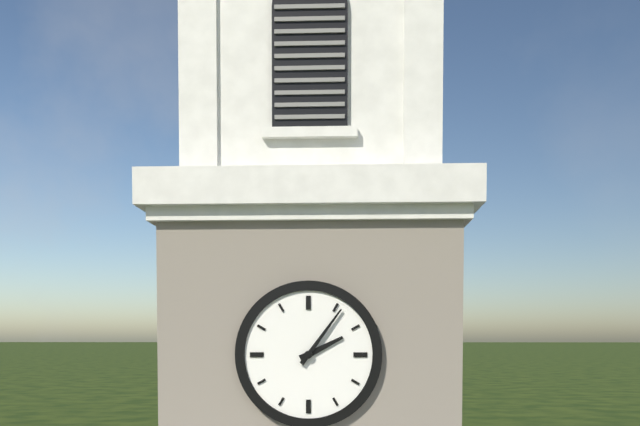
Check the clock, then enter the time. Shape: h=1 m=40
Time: h=2 m=6
